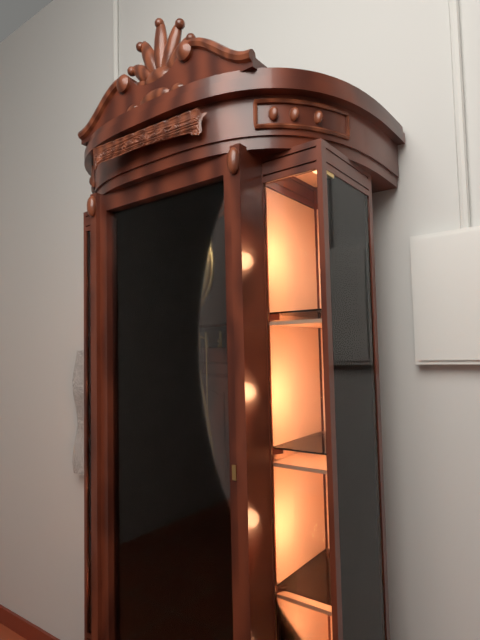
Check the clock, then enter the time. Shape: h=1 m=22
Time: h=7 m=24
